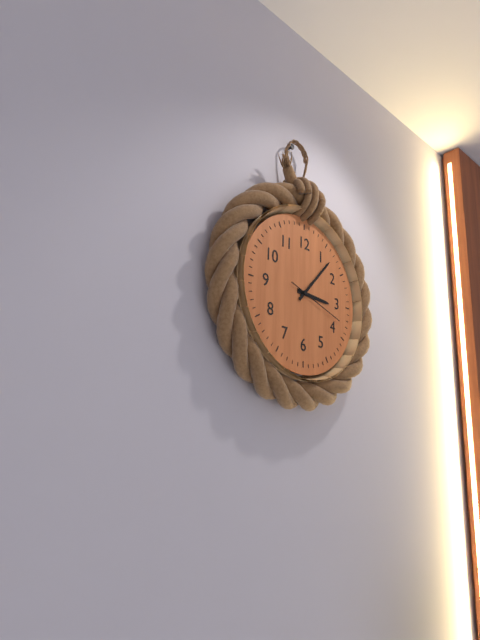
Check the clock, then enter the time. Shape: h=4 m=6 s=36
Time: h=3 m=7 s=18
